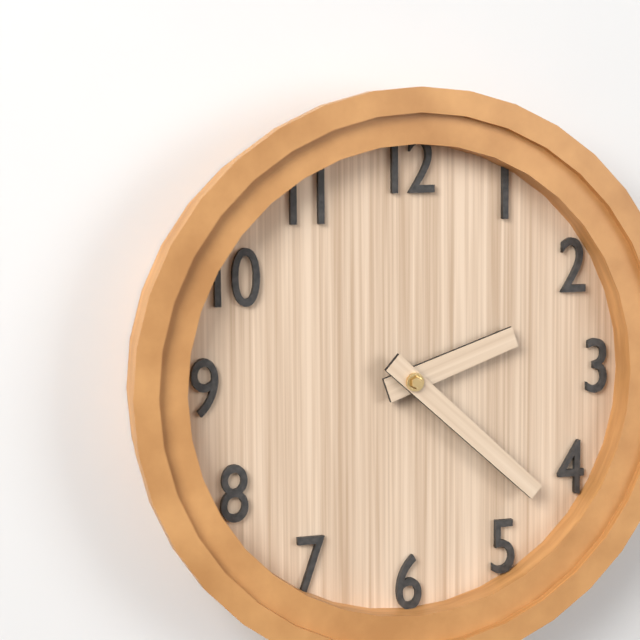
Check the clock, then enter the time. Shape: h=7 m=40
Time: h=2 m=22
